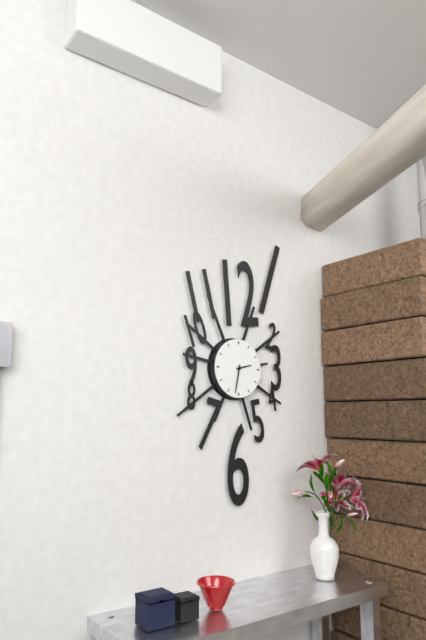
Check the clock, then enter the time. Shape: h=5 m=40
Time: h=2 m=32
